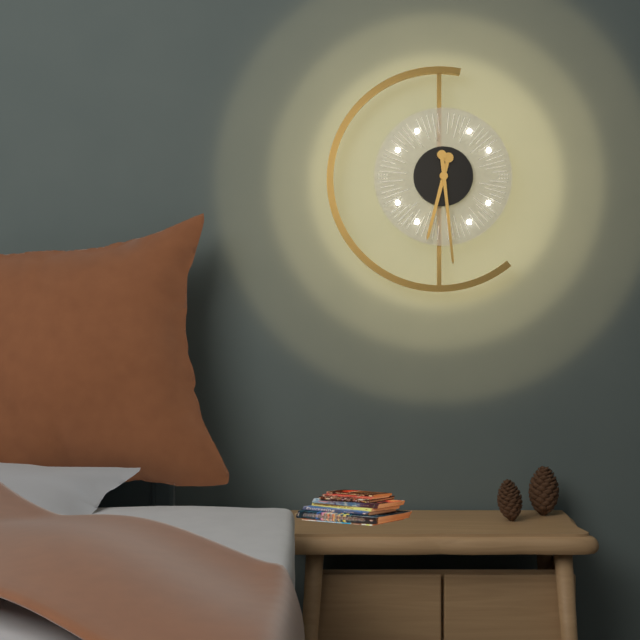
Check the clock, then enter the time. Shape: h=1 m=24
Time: h=6 m=29
